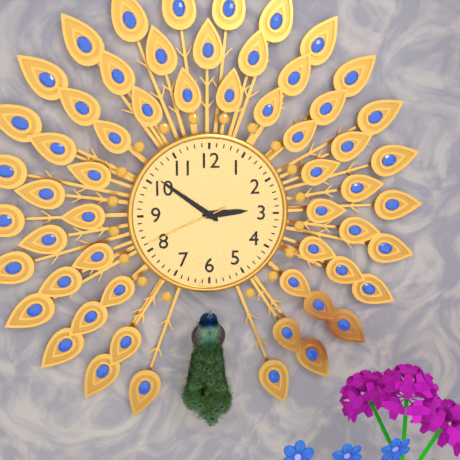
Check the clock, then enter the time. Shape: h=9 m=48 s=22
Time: h=2 m=51 s=41
